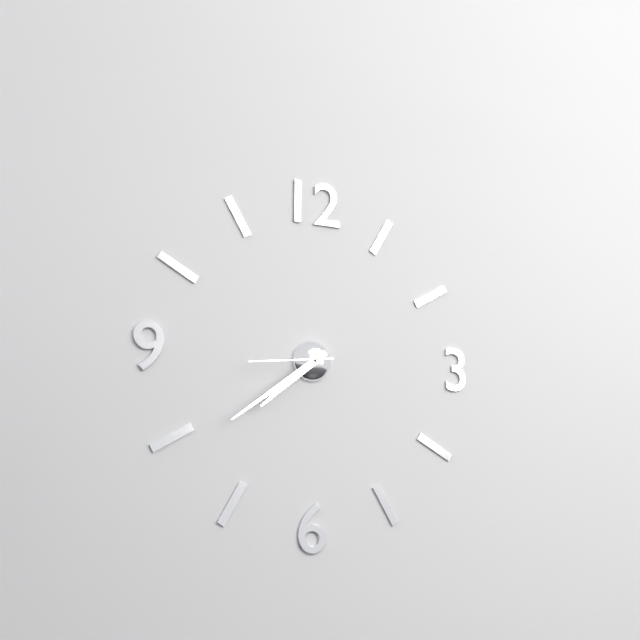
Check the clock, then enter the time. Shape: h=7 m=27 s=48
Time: h=7 m=39 s=44
